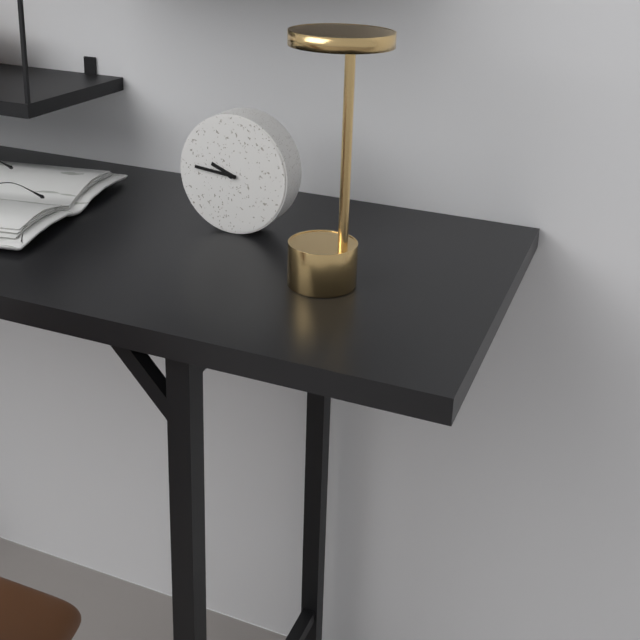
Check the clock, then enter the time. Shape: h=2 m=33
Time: h=9 m=46
